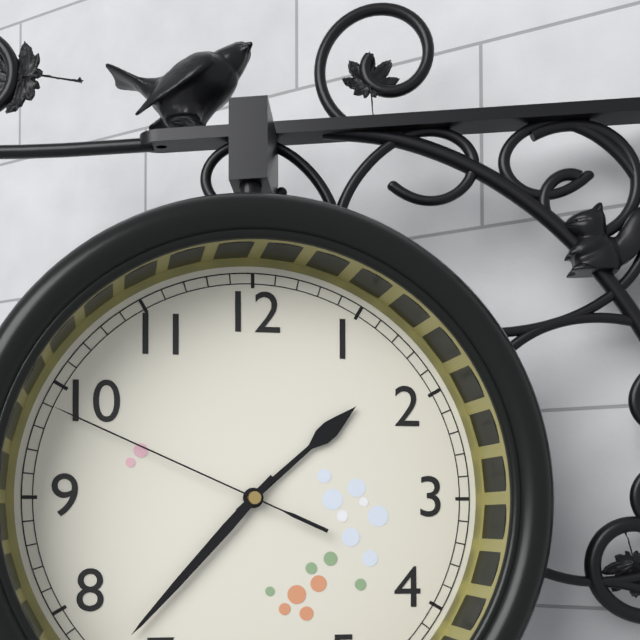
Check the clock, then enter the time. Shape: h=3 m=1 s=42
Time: h=1 m=37 s=49
